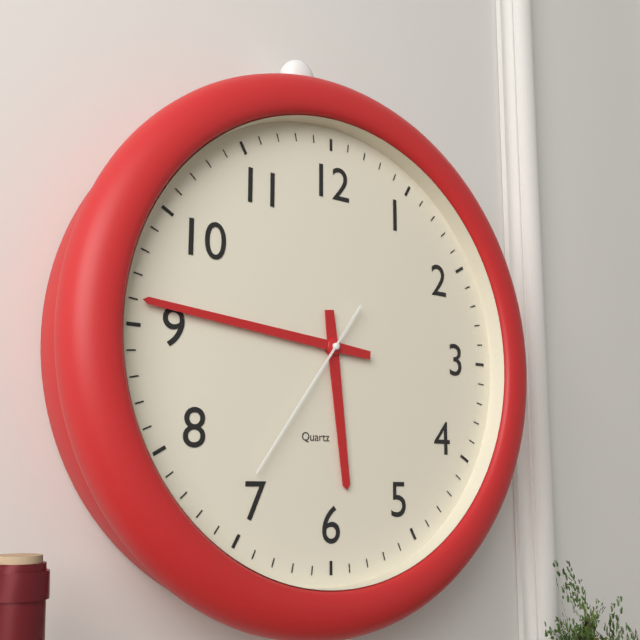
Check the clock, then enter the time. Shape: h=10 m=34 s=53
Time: h=5 m=46 s=36
